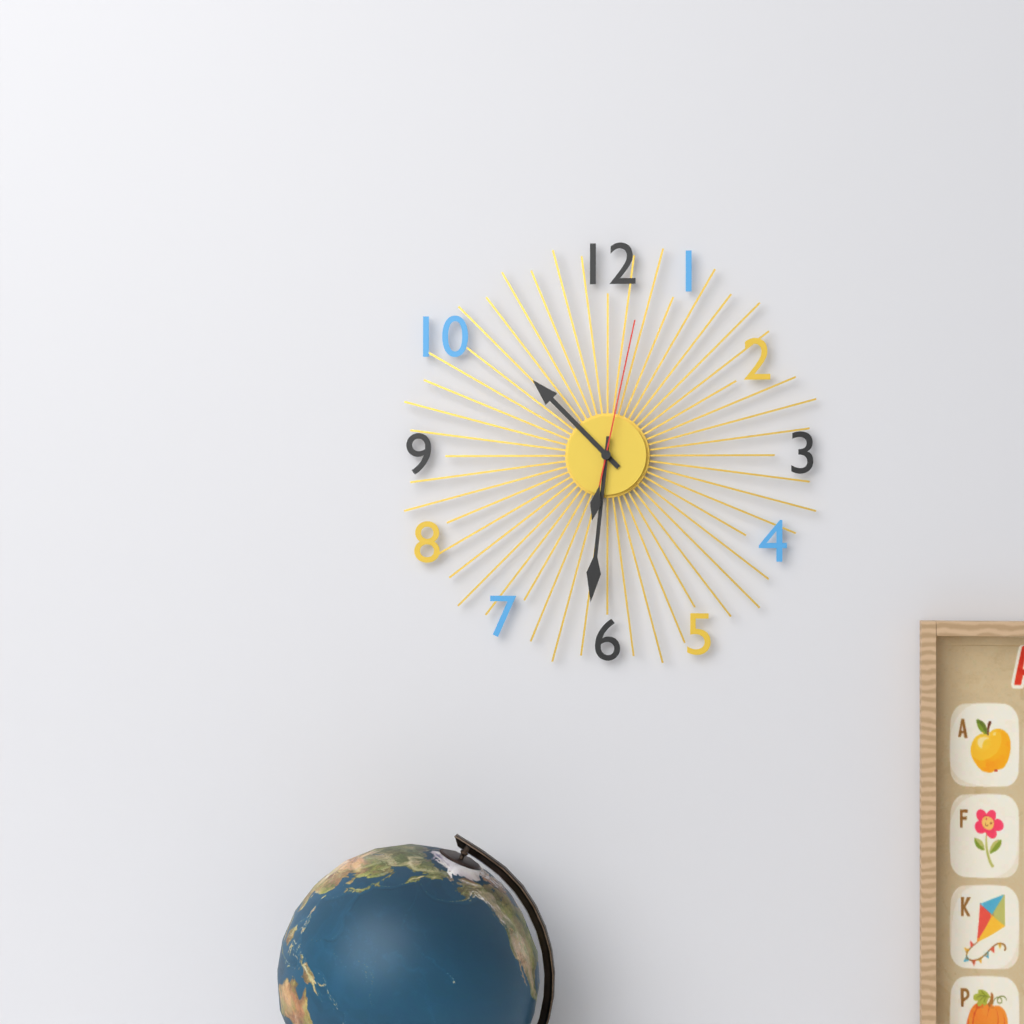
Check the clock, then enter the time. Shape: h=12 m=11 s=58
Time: h=10 m=31 s=2
